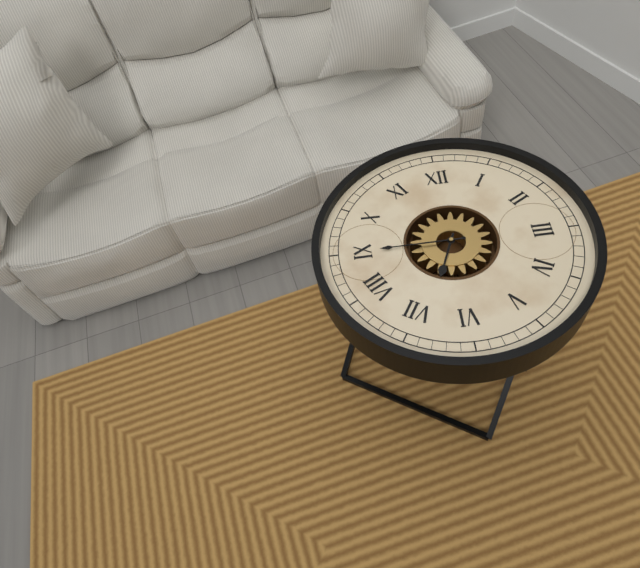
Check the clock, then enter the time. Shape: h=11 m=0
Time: h=6 m=45
